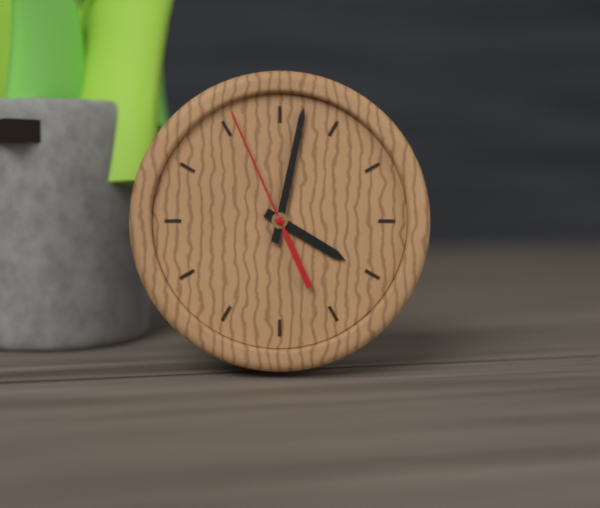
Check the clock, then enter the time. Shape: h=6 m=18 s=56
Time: h=4 m=2 s=56
